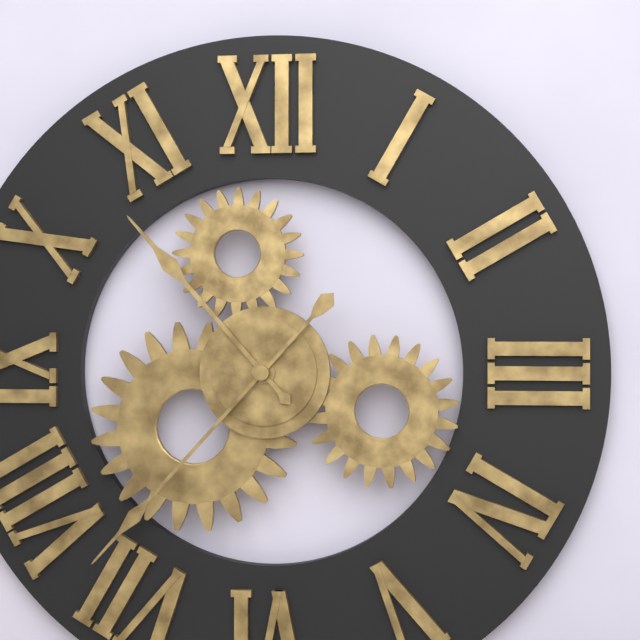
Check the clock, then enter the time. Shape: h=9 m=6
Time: h=10 m=37
